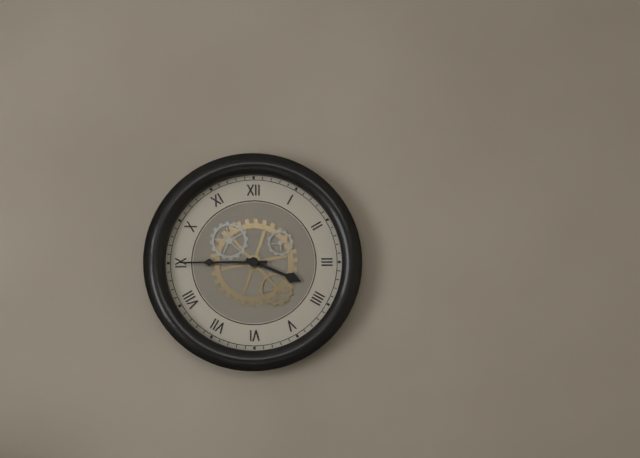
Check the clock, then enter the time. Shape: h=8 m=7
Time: h=3 m=45
